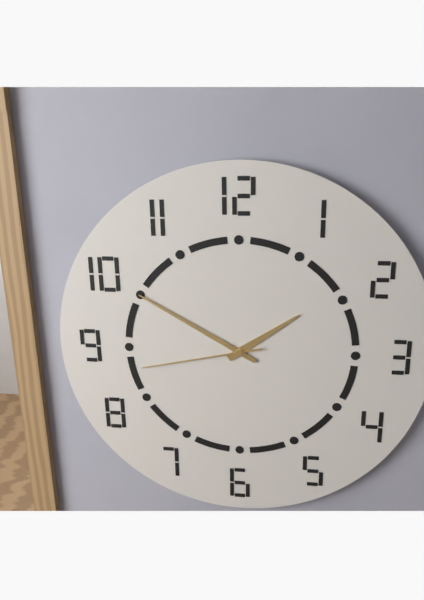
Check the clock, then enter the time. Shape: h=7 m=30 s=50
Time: h=1 m=50 s=43
